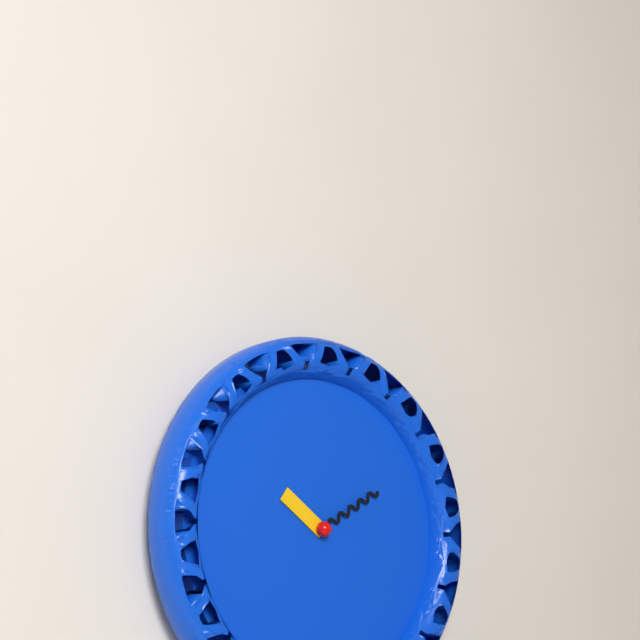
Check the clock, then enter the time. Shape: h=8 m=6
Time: h=10 m=10
